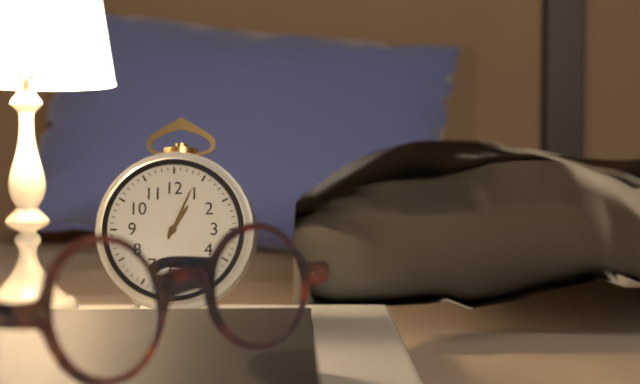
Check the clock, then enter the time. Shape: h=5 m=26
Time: h=1 m=4
